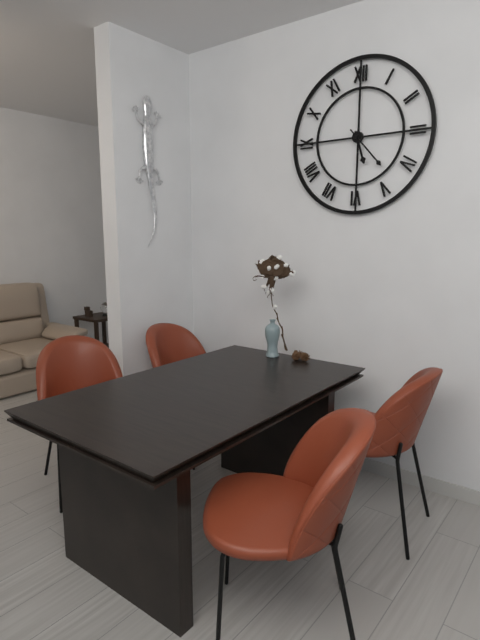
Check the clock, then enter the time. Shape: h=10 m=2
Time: h=5 m=23
